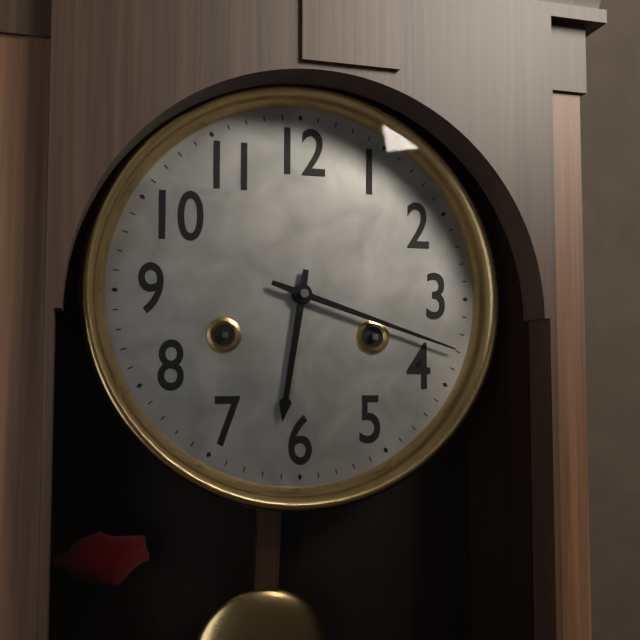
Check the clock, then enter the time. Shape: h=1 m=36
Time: h=6 m=18
